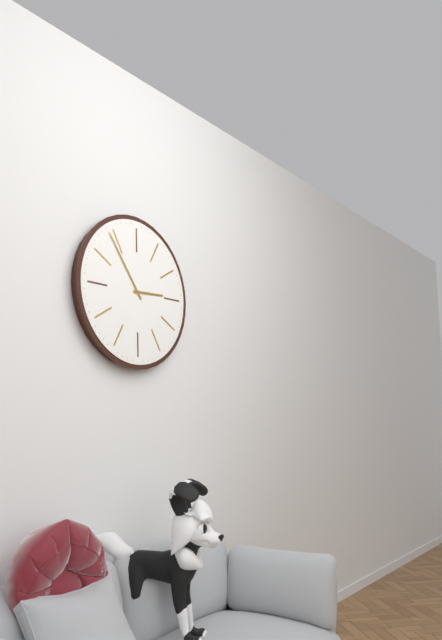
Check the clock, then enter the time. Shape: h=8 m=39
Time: h=2 m=54
